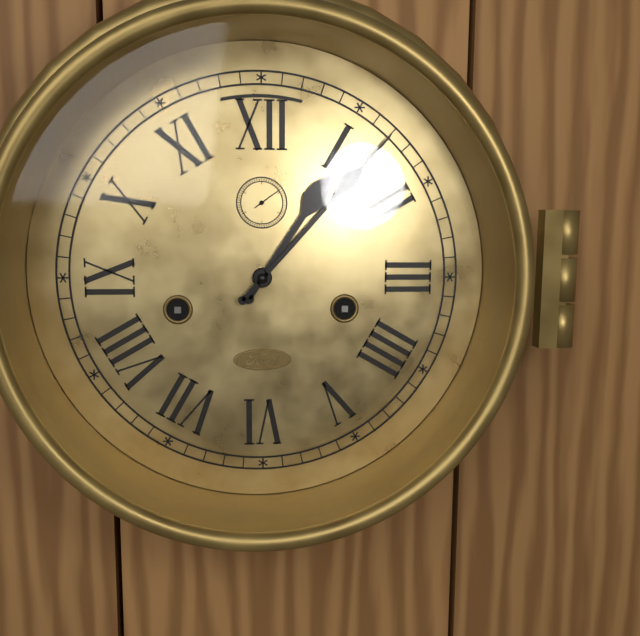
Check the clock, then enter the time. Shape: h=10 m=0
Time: h=1 m=7
